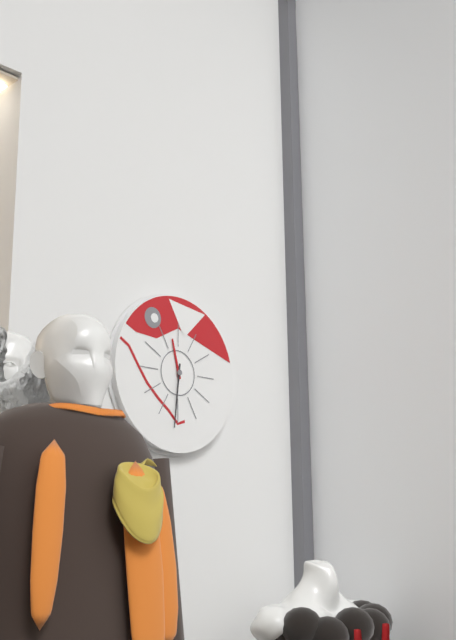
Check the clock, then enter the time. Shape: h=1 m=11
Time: h=11 m=31
